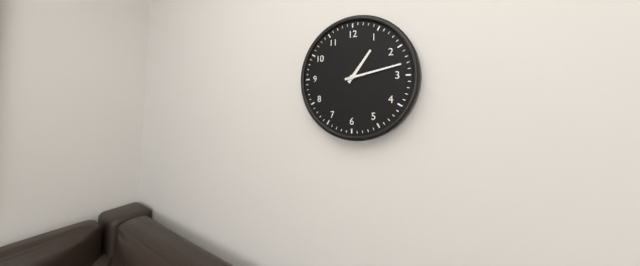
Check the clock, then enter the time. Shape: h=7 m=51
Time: h=1 m=13
